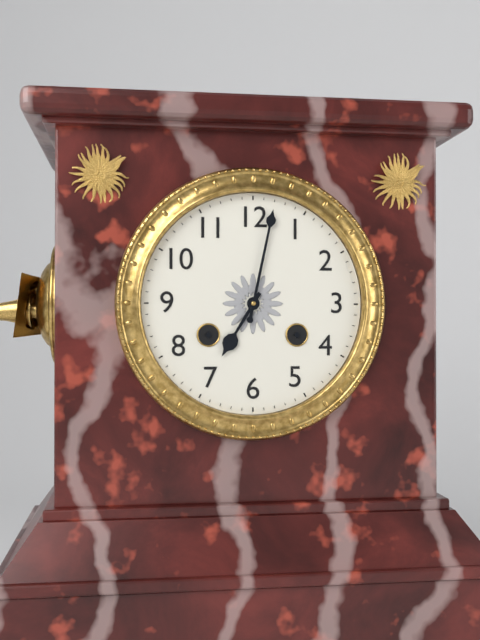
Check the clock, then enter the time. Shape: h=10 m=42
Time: h=7 m=2
